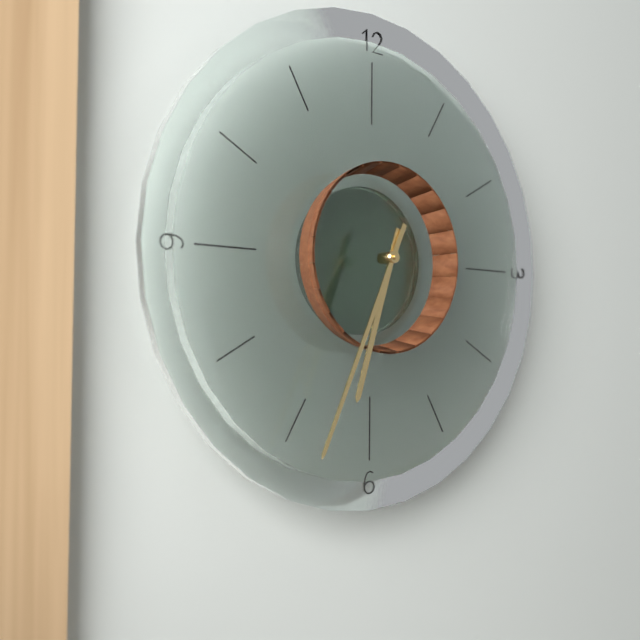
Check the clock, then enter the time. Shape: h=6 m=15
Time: h=6 m=34
